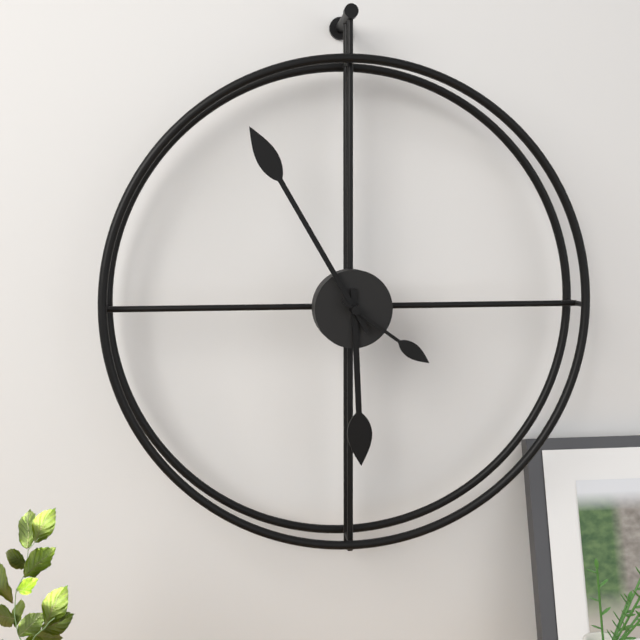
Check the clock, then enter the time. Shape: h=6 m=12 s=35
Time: h=5 m=55 s=21
